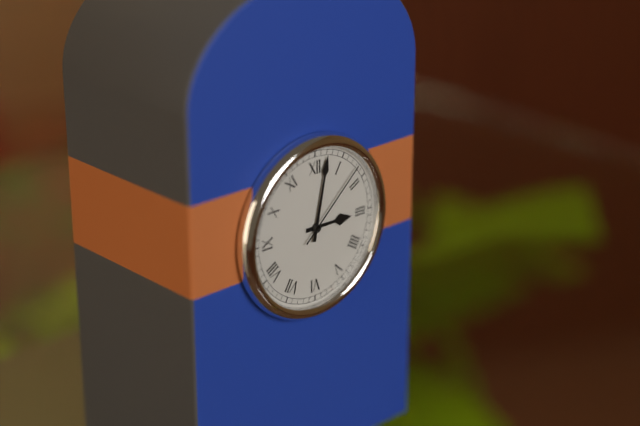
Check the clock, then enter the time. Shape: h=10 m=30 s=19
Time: h=3 m=2 s=8
